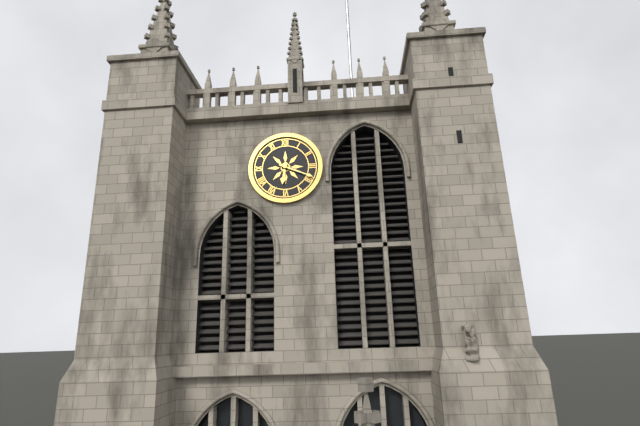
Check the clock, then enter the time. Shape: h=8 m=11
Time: h=6 m=19
